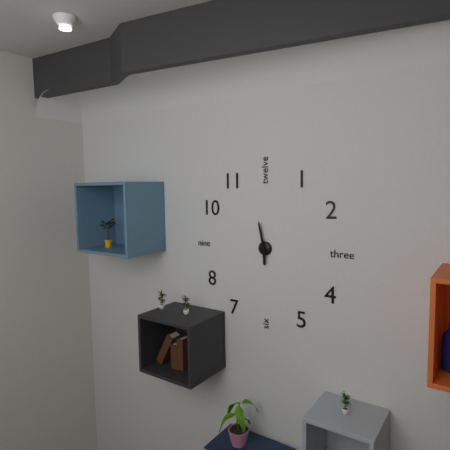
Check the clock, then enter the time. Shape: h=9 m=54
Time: h=5 m=58
